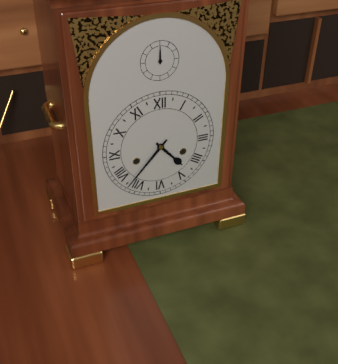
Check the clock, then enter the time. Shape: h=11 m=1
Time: h=4 m=37
